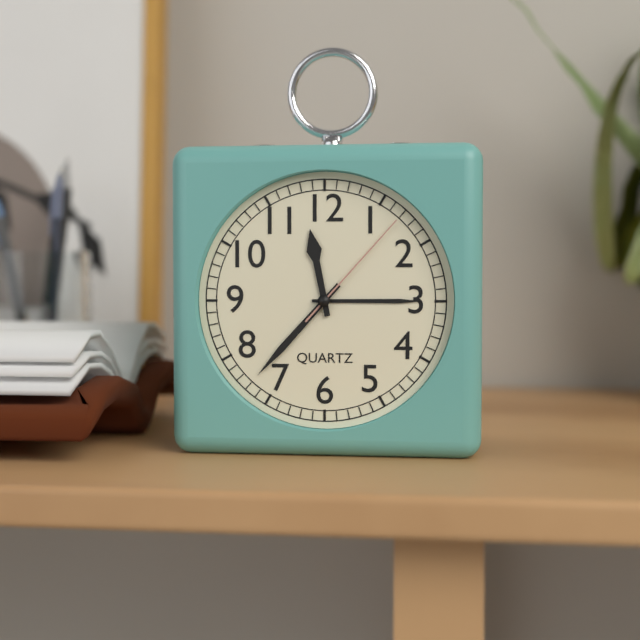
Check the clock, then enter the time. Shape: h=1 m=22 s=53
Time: h=11 m=37 s=7
